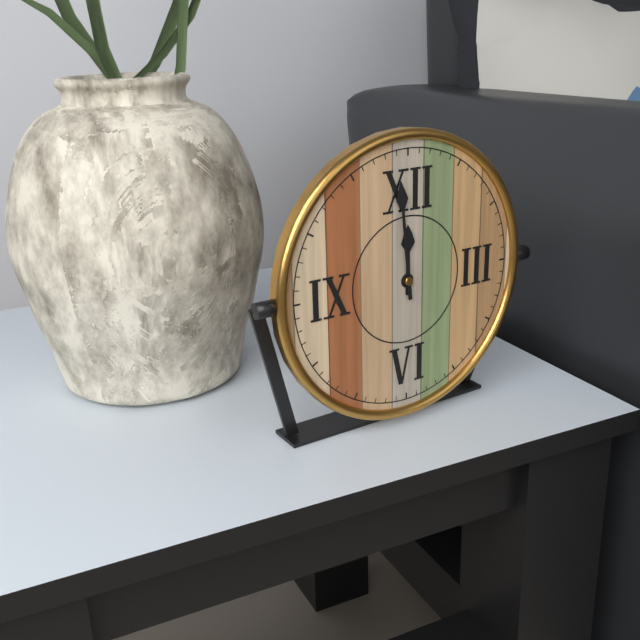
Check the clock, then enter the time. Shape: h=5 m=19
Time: h=11 m=59
